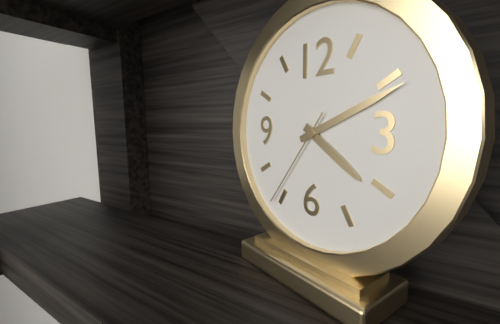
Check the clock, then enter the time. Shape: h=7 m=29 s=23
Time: h=4 m=11 s=36
